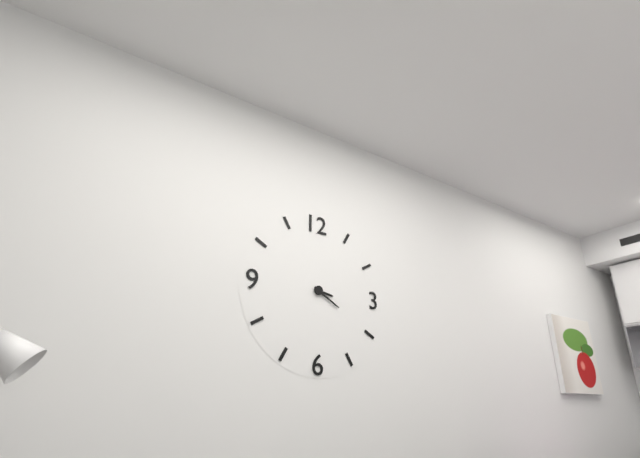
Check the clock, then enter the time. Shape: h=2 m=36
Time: h=3 m=20
